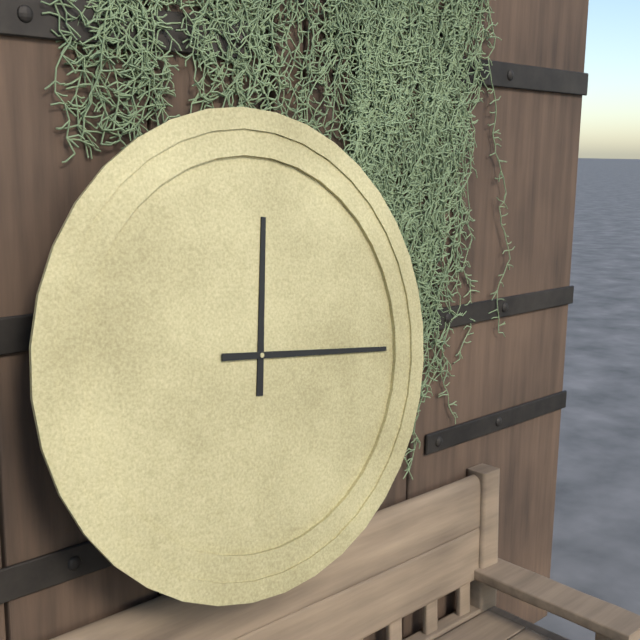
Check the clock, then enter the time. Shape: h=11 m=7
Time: h=12 m=16
